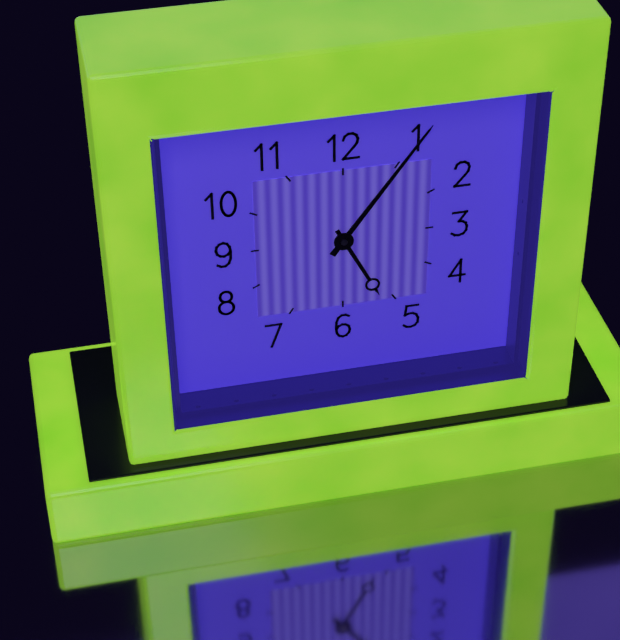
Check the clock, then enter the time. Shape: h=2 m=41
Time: h=5 m=6
